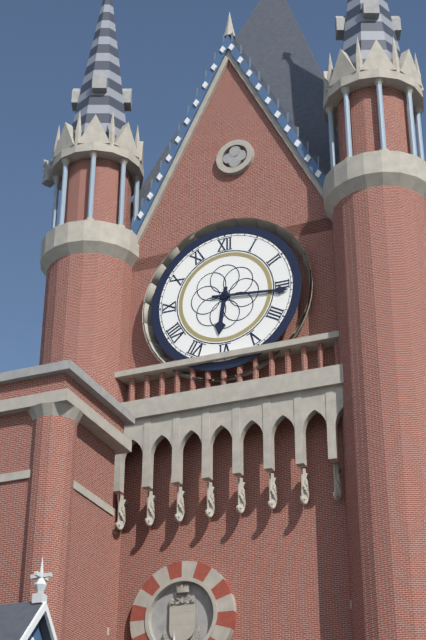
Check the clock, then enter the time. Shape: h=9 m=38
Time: h=6 m=16
